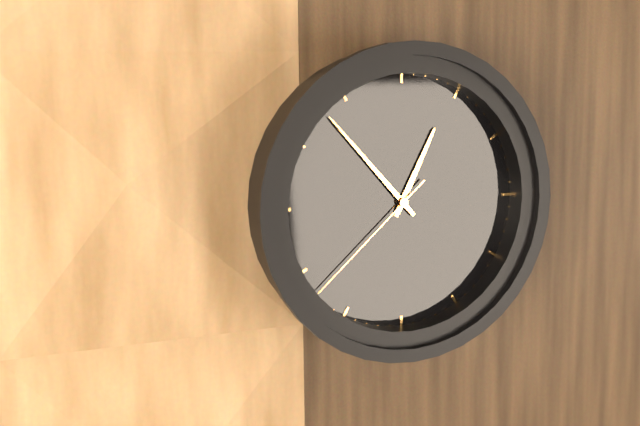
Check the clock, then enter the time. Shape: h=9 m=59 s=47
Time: h=12 m=53 s=38
